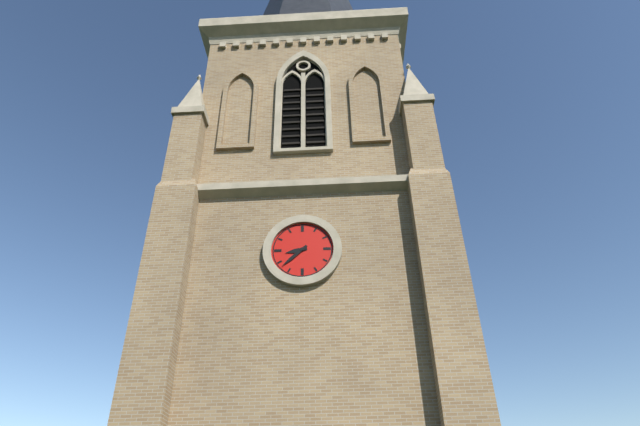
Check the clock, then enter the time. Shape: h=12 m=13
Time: h=8 m=38
